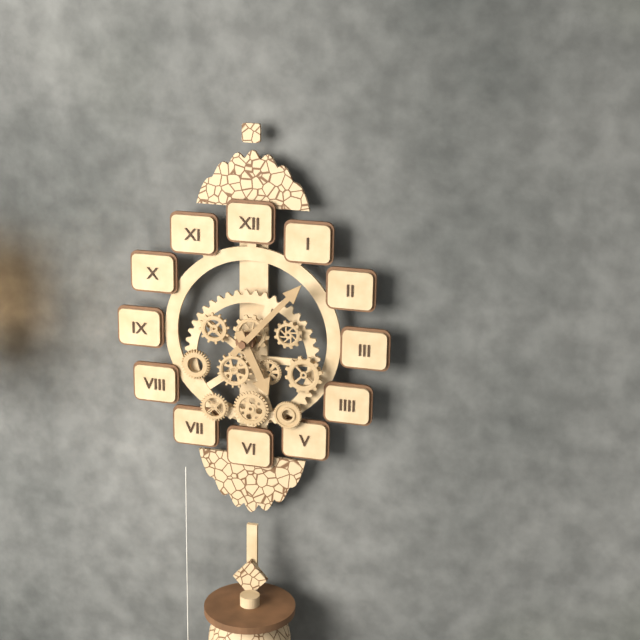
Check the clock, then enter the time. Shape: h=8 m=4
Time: h=5 m=7
